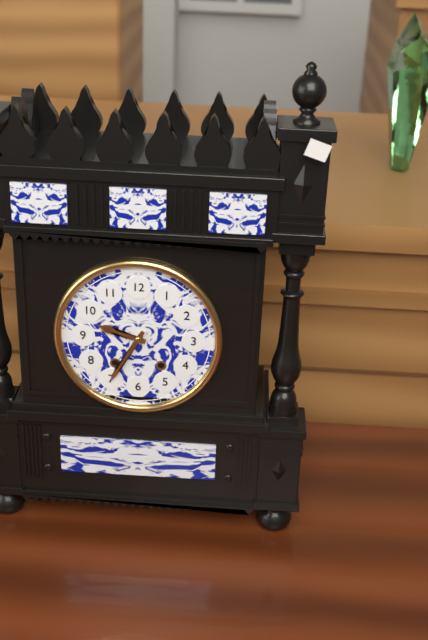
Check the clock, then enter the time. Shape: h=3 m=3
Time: h=9 m=35
